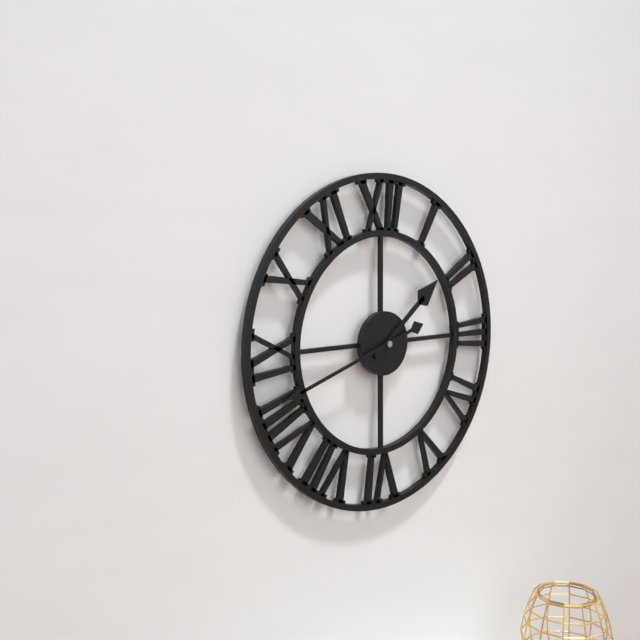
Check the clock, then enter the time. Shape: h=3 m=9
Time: h=1 m=42
